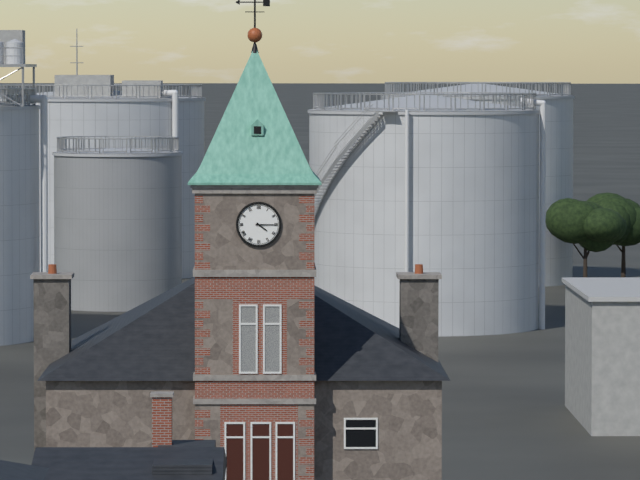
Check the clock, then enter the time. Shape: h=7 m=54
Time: h=4 m=15
